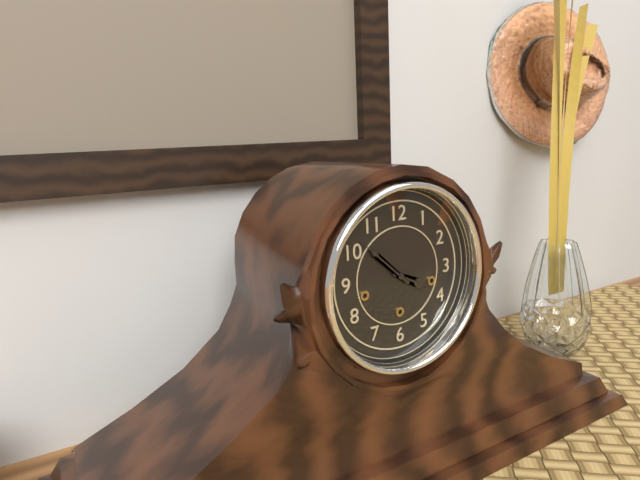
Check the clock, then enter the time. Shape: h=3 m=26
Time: h=3 m=52
